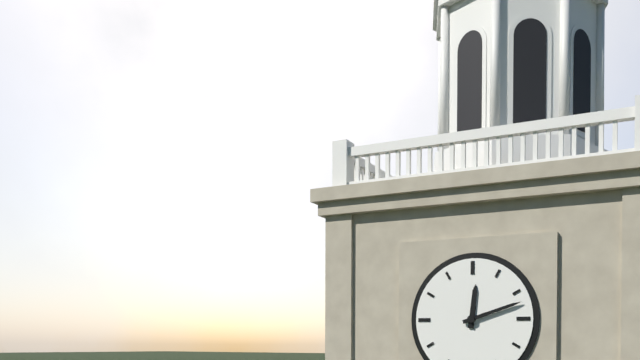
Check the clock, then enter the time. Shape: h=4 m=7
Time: h=12 m=12
